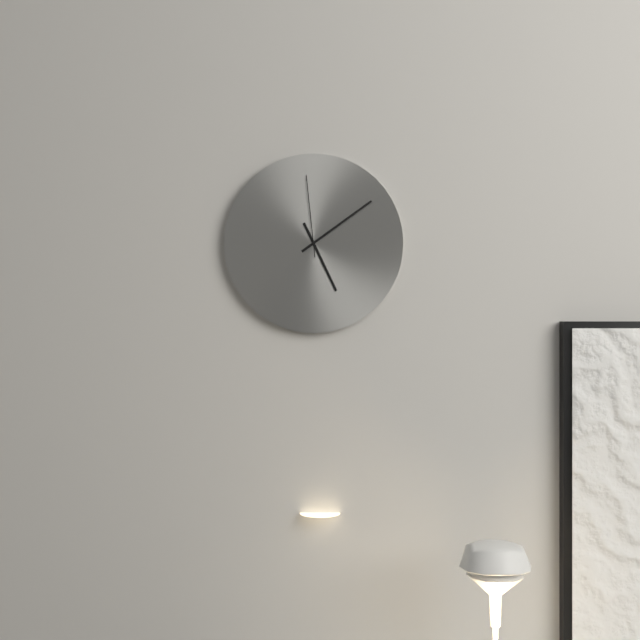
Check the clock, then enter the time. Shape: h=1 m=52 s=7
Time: h=5 m=9 s=59
